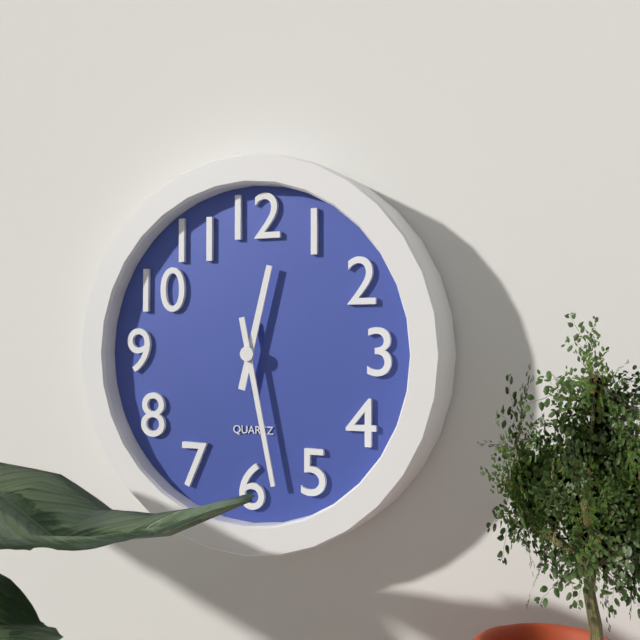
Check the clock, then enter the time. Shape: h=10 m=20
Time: h=12 m=28
